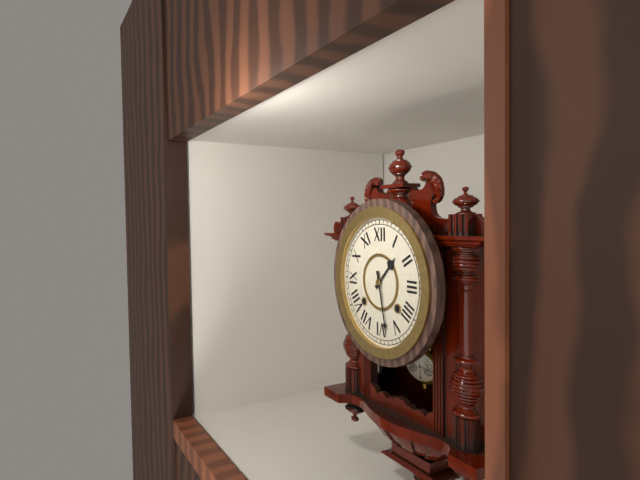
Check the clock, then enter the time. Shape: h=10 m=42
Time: h=1 m=28
